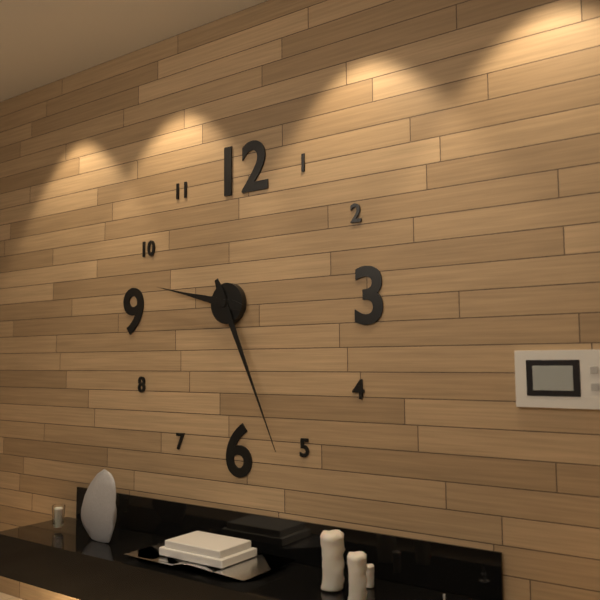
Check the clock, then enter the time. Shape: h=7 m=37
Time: h=9 m=26
